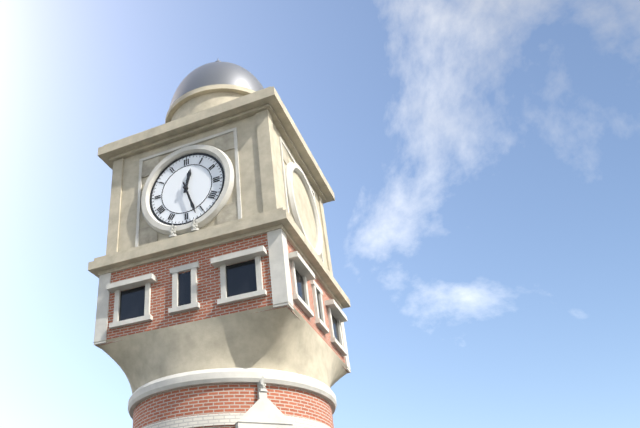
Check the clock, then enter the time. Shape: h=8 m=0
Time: h=12 m=27
